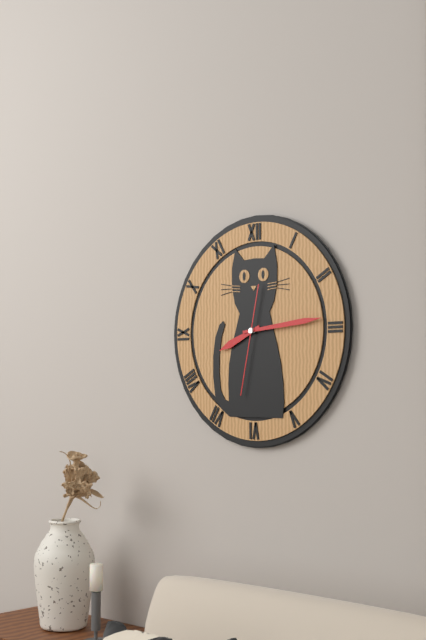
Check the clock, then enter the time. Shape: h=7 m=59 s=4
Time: h=8 m=14 s=32
